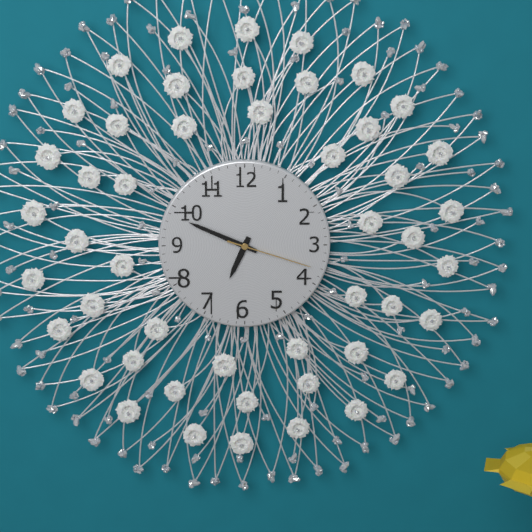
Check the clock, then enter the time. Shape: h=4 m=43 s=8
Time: h=6 m=49 s=18
